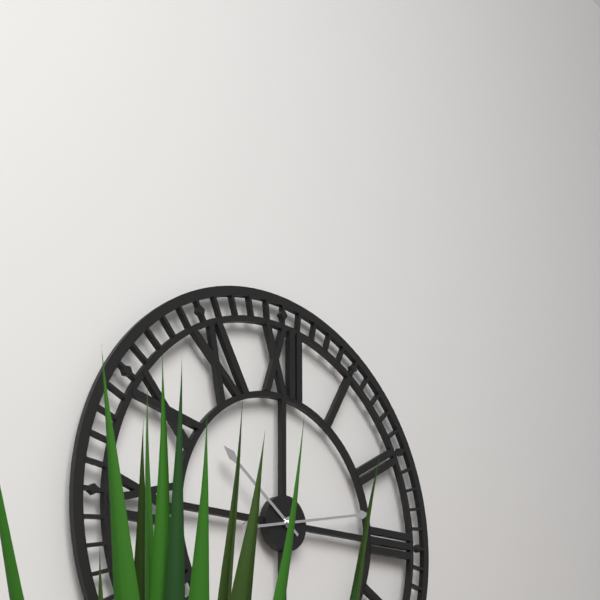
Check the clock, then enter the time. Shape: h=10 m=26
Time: h=10 m=13
